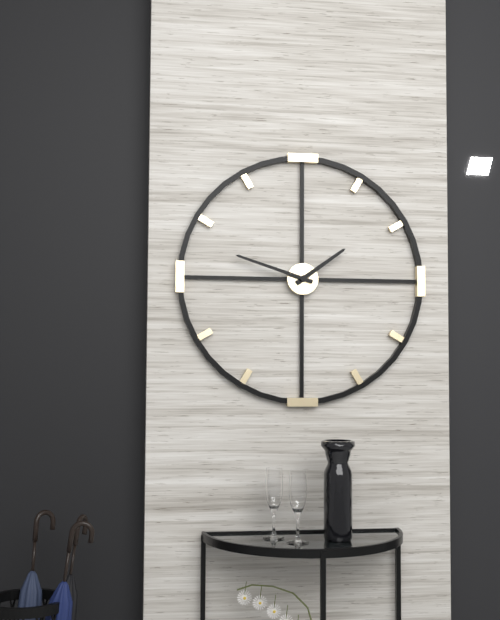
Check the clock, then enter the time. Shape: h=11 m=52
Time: h=1 m=48
